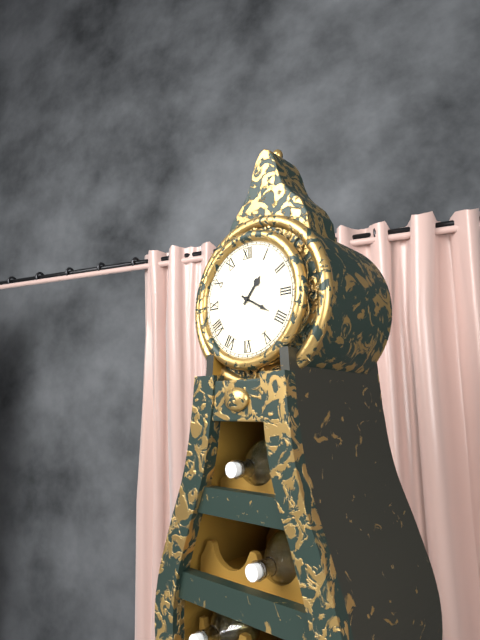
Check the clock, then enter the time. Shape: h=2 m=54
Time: h=1 m=20
